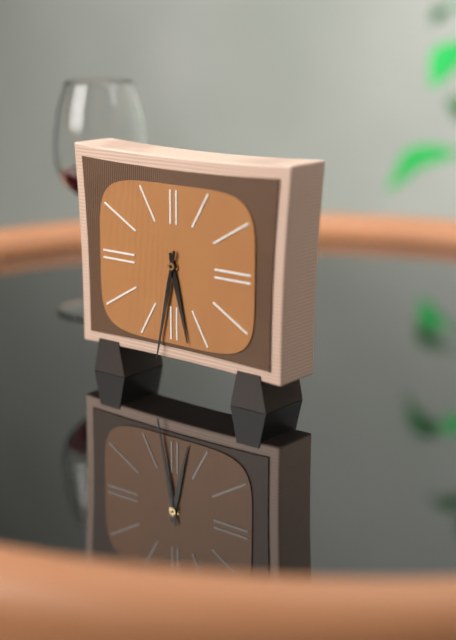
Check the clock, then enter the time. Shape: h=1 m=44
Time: h=5 m=32
